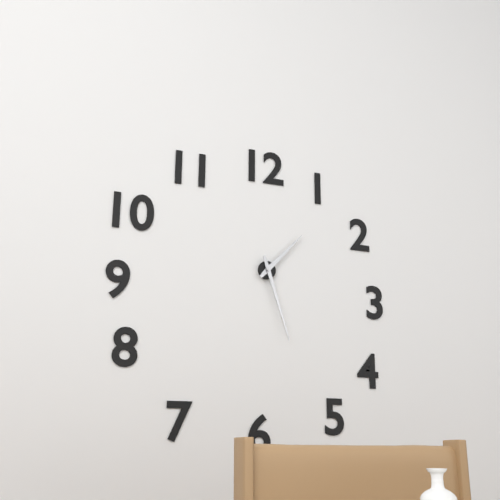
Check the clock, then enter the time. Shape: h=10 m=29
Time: h=1 m=27
